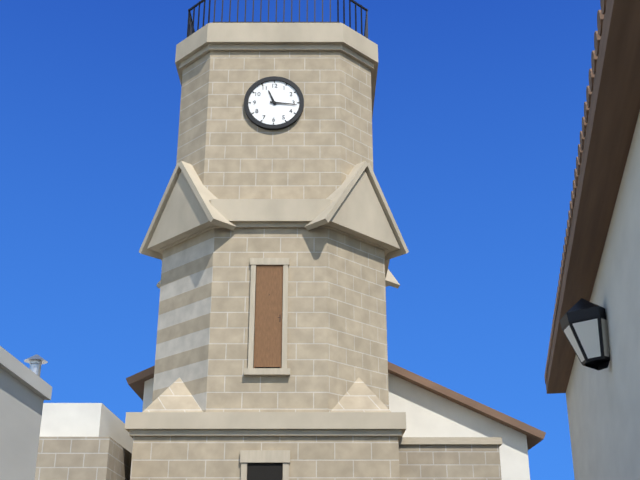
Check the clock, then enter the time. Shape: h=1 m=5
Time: h=11 m=16
